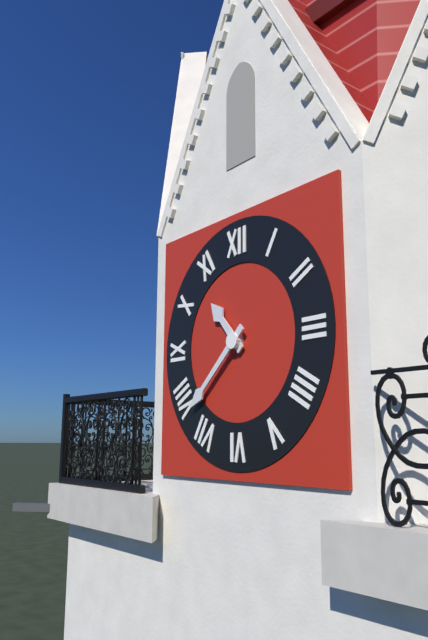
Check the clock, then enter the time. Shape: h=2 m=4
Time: h=10 m=38
